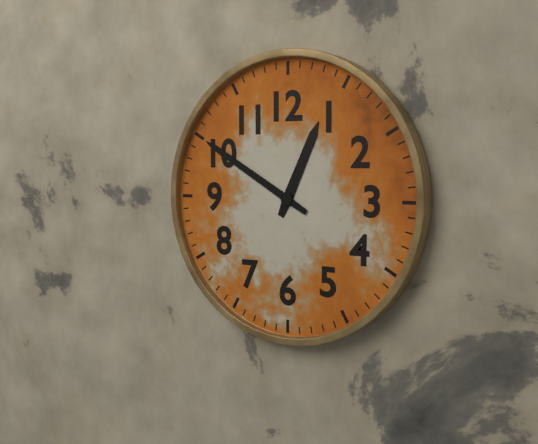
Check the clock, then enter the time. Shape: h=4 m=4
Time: h=12 m=50
